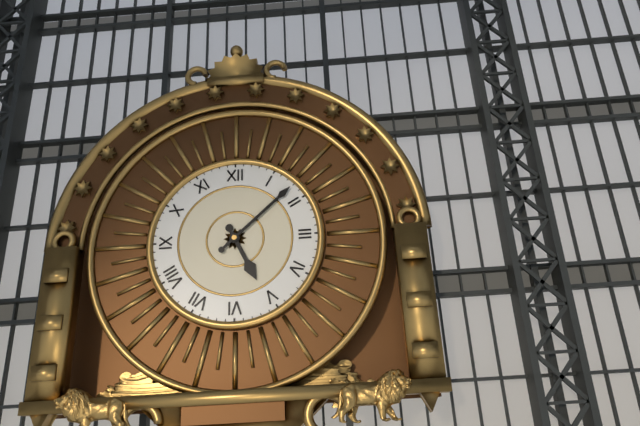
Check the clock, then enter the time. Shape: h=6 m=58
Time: h=5 m=8
